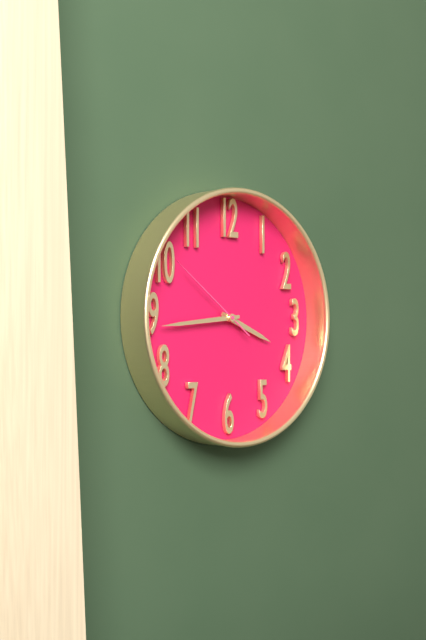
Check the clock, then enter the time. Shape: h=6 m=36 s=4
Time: h=3 m=44 s=51
